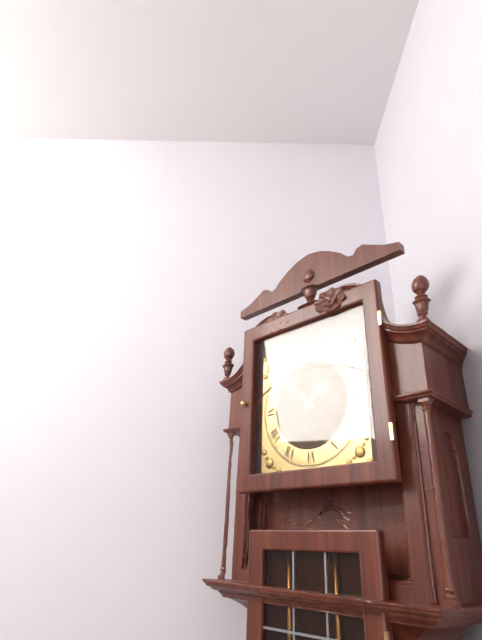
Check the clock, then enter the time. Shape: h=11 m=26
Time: h=1 m=53
